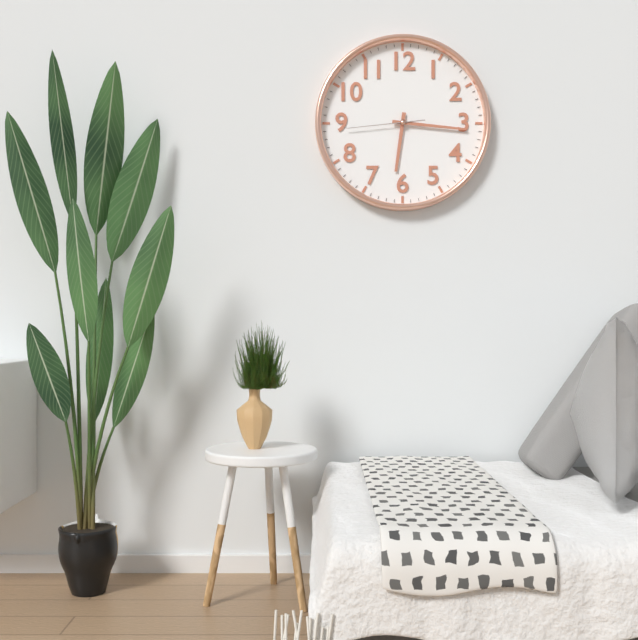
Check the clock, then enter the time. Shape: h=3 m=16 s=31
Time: h=6 m=16 s=44
